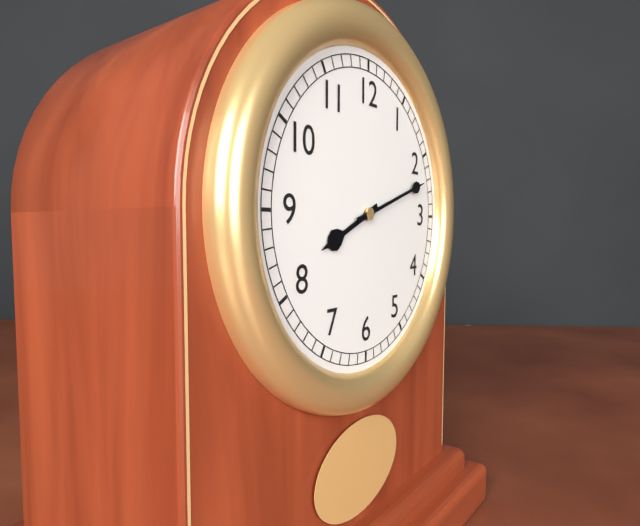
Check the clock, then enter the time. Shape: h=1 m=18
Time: h=8 m=12
